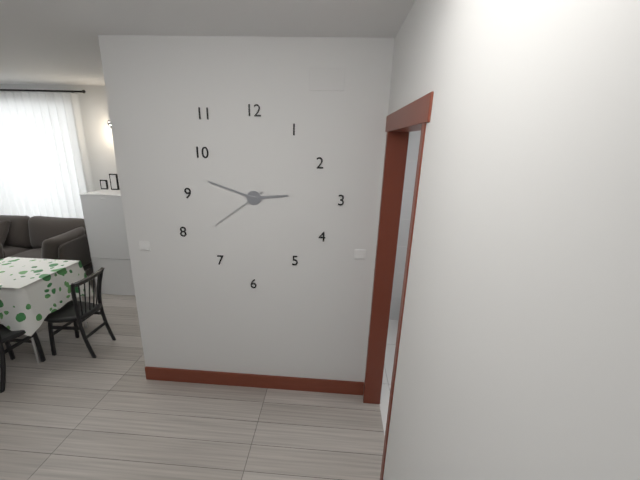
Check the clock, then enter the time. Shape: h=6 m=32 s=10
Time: h=2 m=48 s=39
